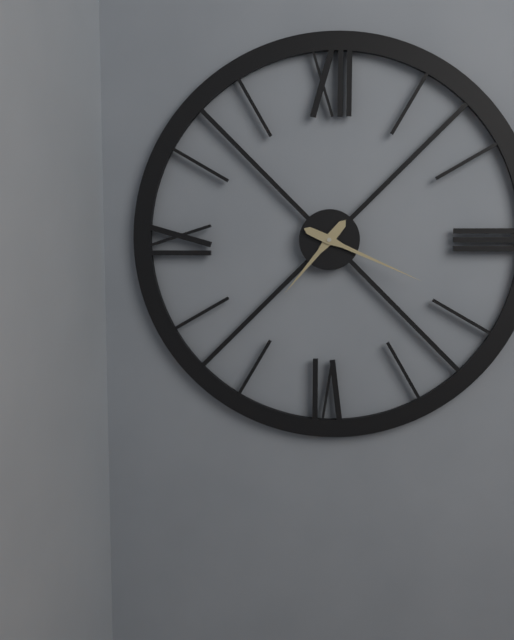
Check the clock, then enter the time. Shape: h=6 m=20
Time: h=7 m=19
